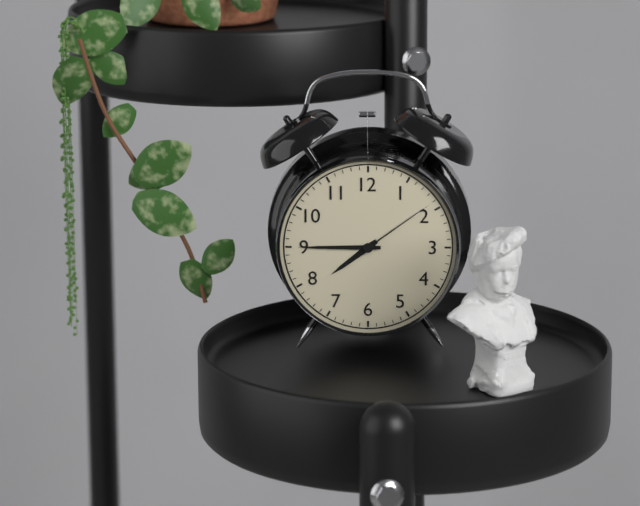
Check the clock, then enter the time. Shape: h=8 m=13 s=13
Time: h=7 m=45 s=9
